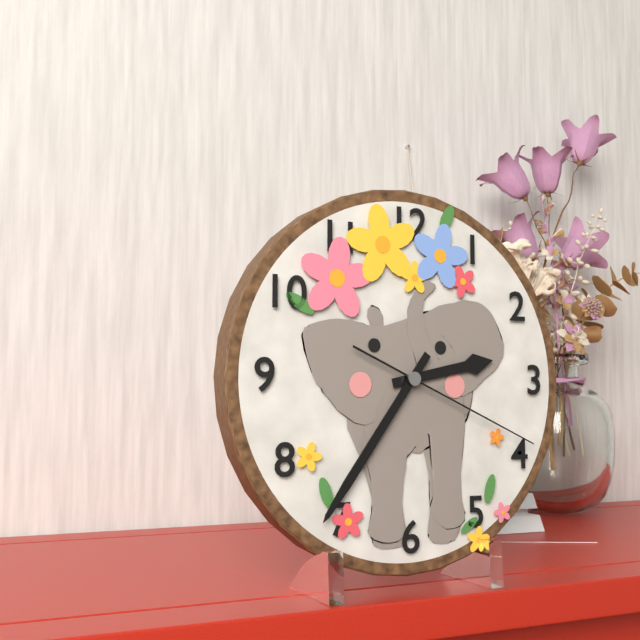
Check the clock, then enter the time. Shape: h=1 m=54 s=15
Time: h=2 m=36 s=19
